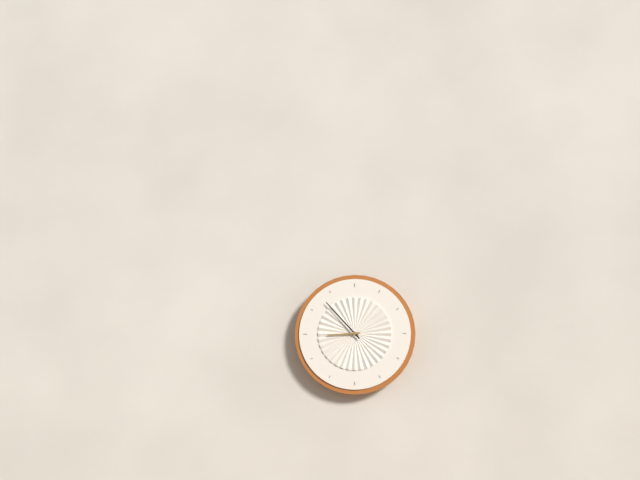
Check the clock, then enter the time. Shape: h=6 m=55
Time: h=8 m=53
